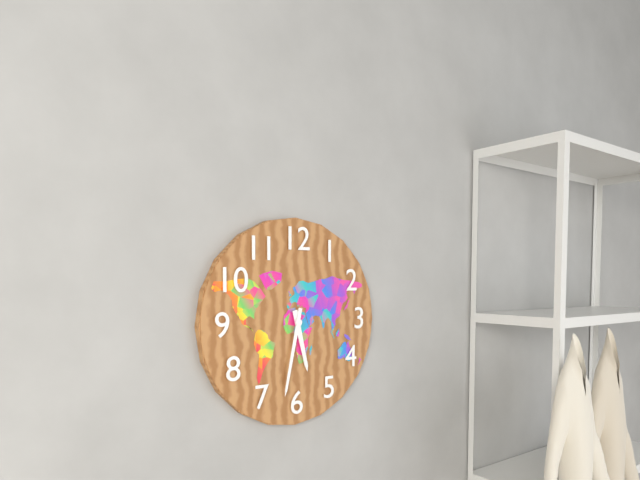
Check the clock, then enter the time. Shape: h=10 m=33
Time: h=5 m=32
